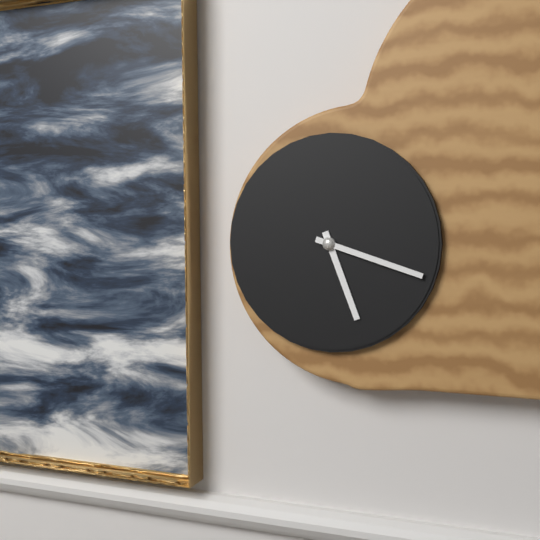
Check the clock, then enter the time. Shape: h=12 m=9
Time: h=5 m=18
